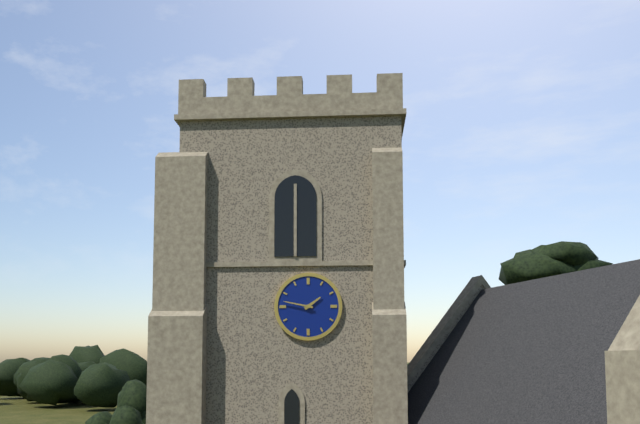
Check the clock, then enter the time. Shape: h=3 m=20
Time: h=1 m=47
